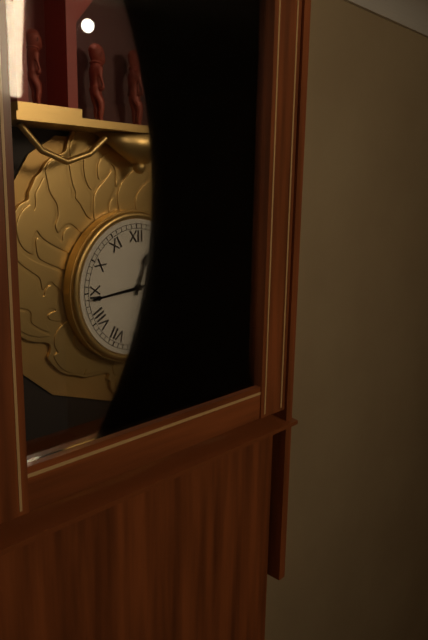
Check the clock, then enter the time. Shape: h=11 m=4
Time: h=12 m=44
